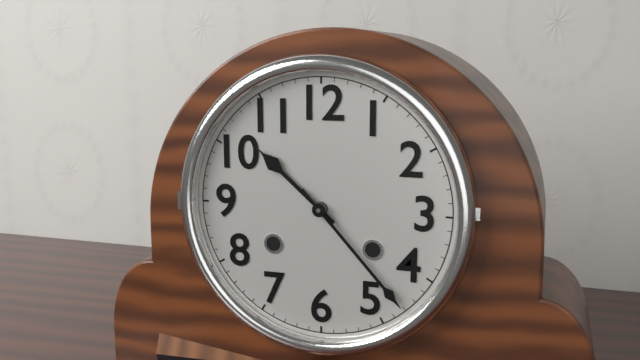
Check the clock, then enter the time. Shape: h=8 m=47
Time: h=10 m=23
